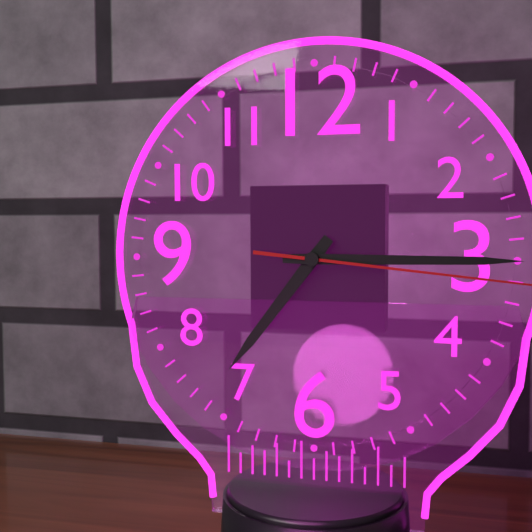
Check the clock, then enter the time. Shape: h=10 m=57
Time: h=7 m=15
